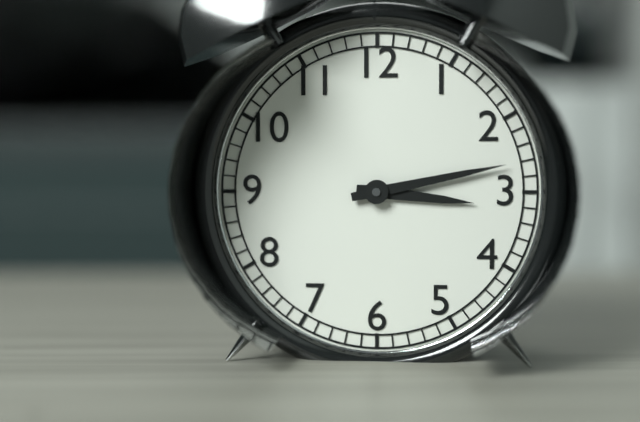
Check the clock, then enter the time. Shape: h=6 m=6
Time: h=3 m=13
